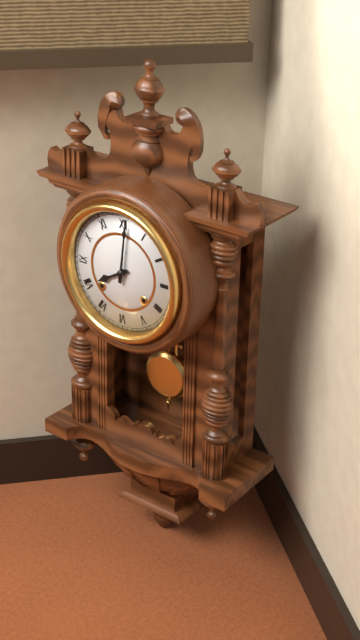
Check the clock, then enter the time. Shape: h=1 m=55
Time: h=8 m=1
